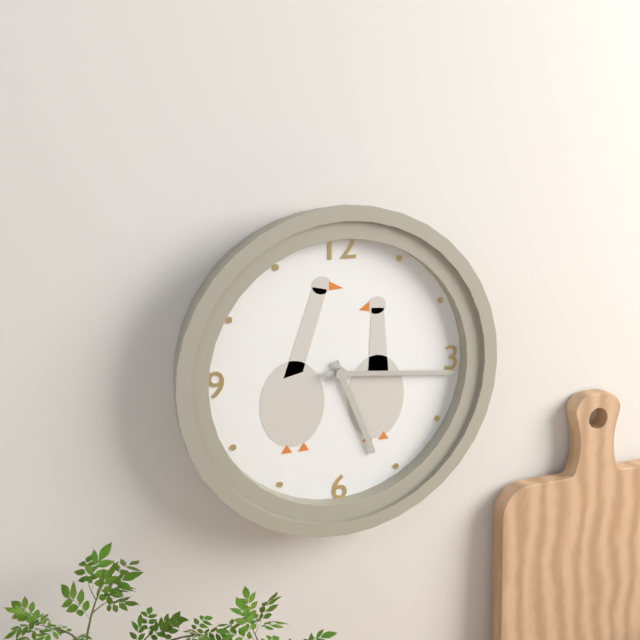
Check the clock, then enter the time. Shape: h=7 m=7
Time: h=5 m=16
